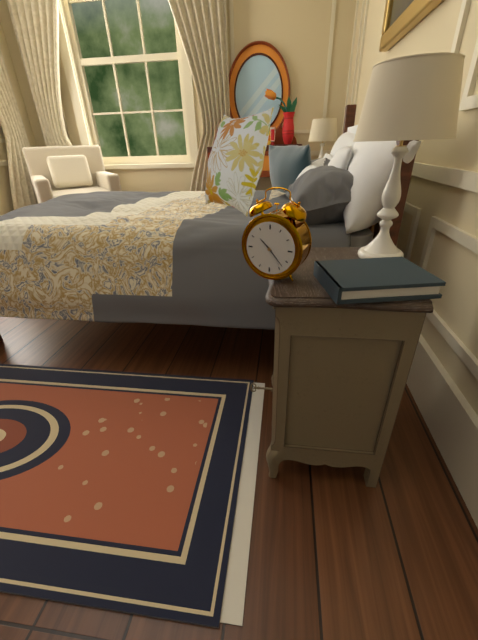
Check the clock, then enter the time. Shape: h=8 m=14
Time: h=10 m=23
